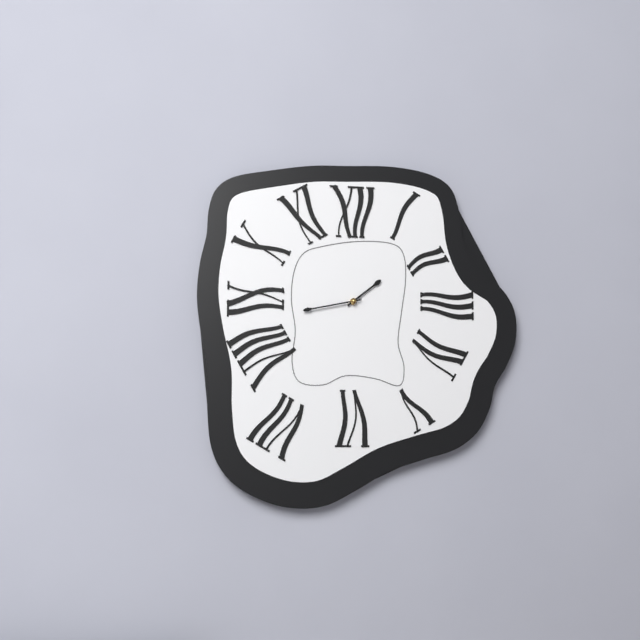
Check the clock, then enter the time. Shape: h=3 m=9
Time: h=1 m=43
